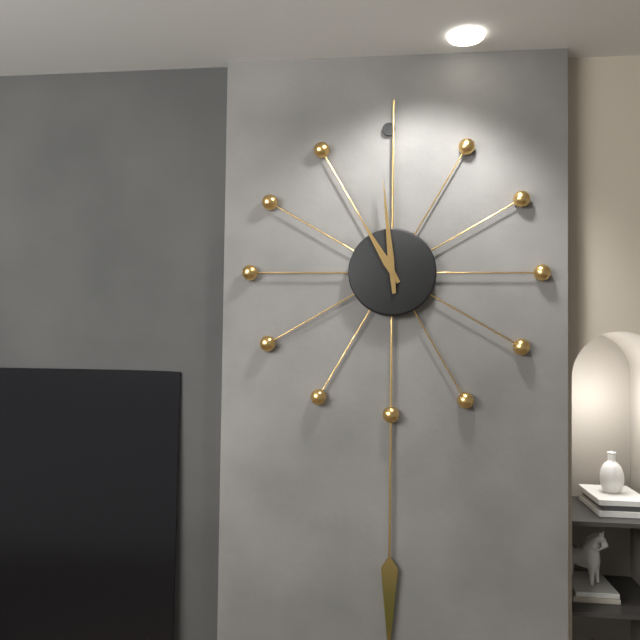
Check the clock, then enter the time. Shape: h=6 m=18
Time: h=10 m=59
